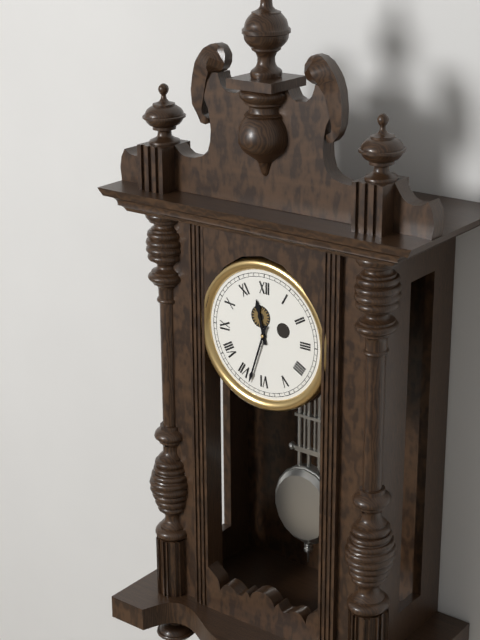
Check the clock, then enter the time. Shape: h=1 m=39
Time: h=11 m=33
